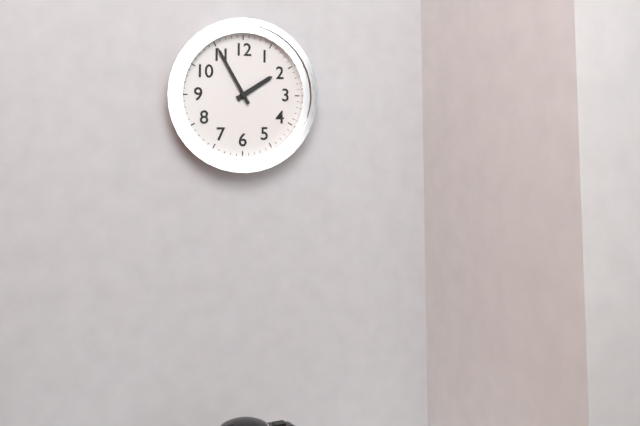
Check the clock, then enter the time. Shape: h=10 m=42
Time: h=1 m=55
